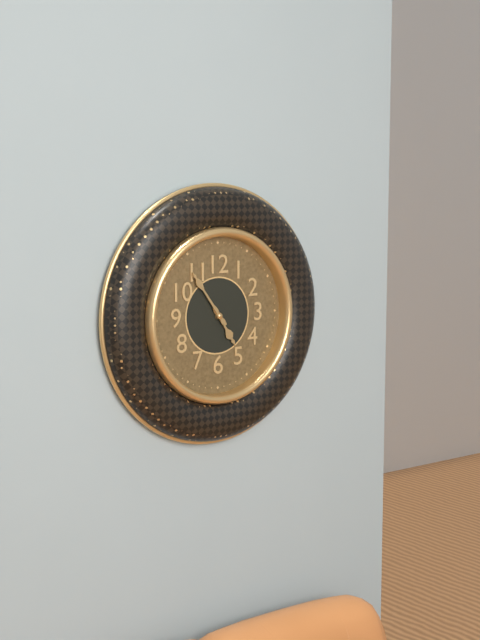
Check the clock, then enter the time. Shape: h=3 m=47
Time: h=4 m=54
